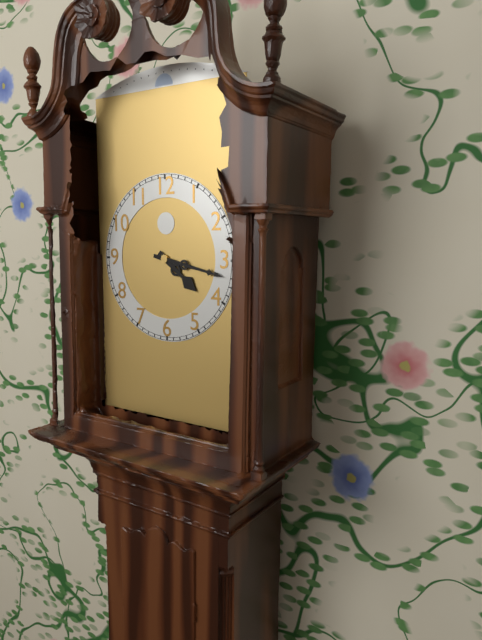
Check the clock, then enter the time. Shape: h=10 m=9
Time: h=4 m=17
